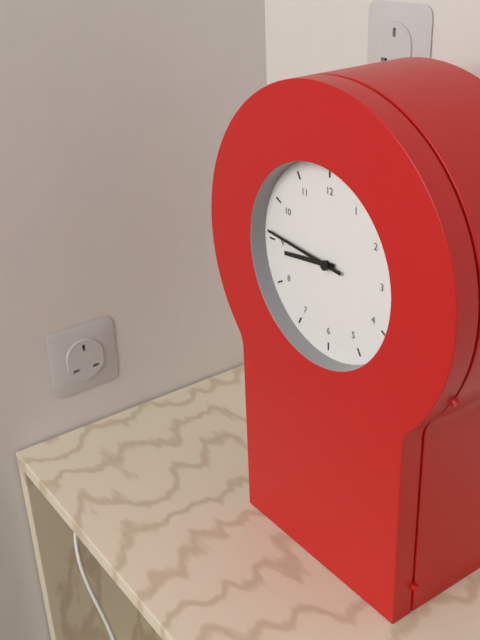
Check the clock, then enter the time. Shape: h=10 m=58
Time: h=8 m=46
